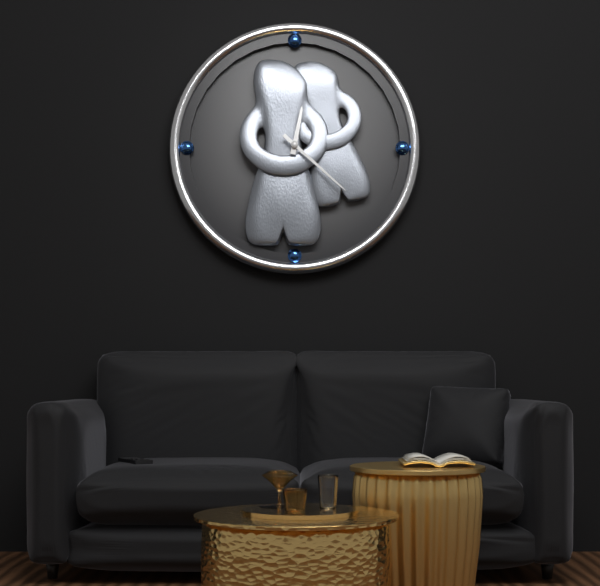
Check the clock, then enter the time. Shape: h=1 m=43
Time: h=12 m=22
